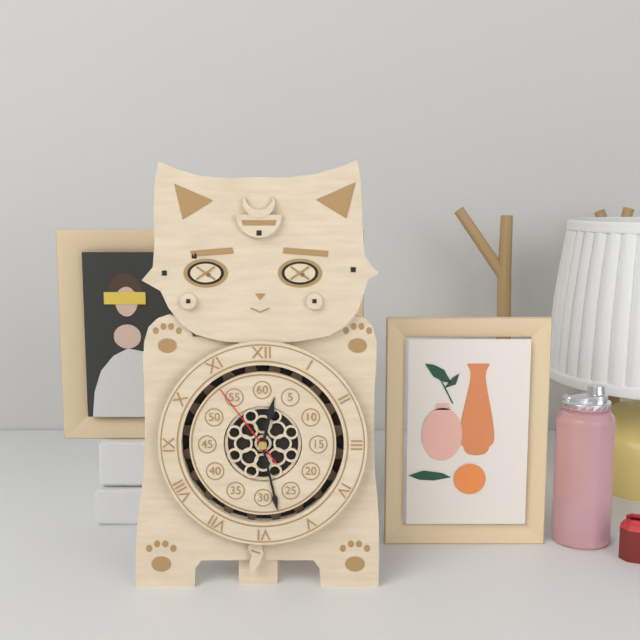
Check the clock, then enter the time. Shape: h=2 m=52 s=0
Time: h=12 m=28 s=54
